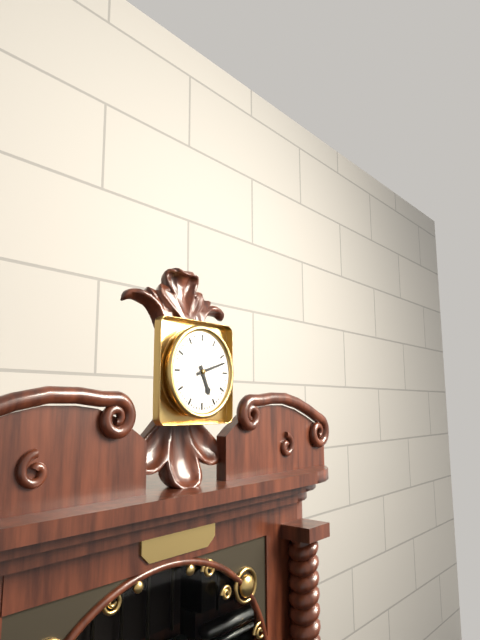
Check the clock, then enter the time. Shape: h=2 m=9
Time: h=5 m=12
